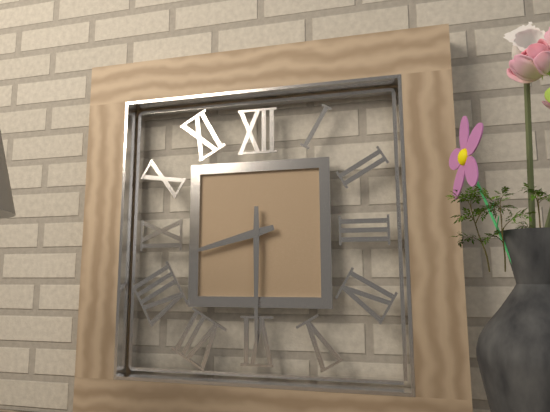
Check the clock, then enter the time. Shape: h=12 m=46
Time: h=8 m=30
